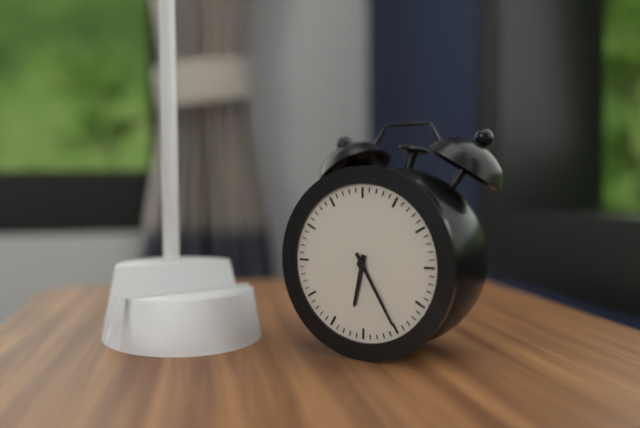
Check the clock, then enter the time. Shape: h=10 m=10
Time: h=6 m=25
